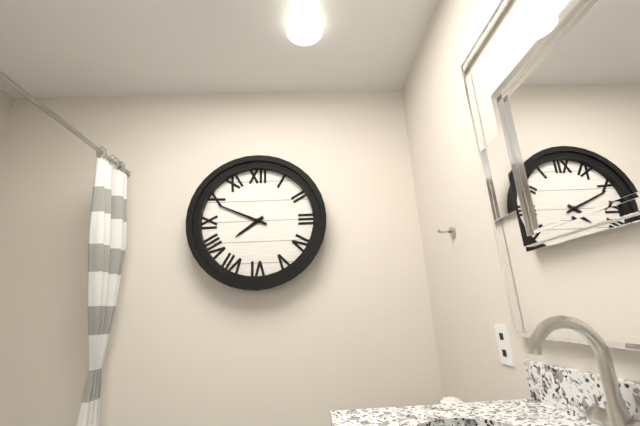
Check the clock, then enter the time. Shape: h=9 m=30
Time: h=7 m=49
